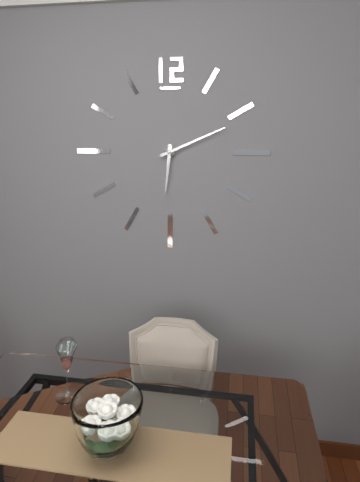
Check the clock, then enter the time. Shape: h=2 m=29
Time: h=6 m=11
